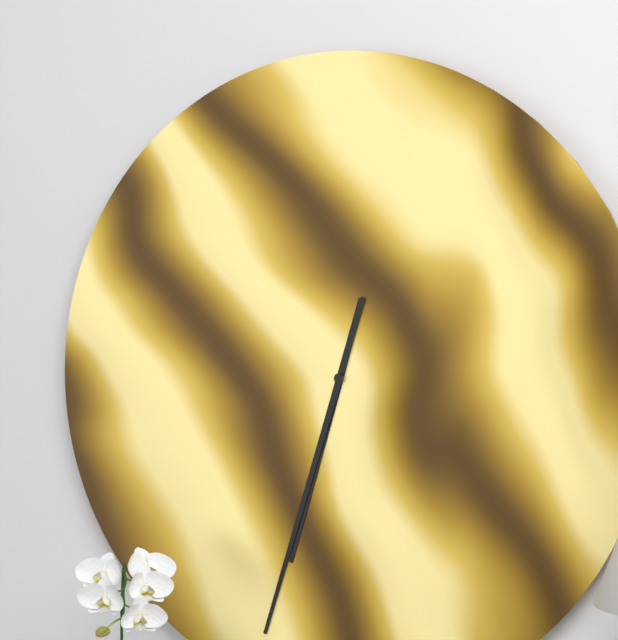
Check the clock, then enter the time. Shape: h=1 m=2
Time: h=6 m=33
